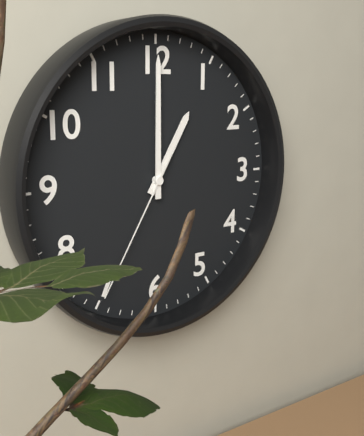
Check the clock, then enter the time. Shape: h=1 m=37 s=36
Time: h=1 m=0 s=35
